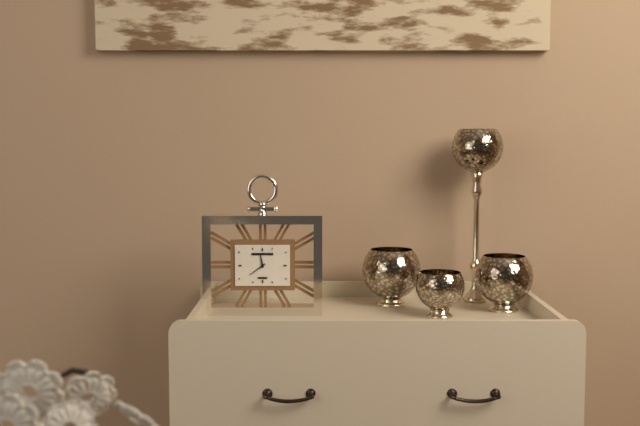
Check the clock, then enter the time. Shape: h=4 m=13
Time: h=11 m=39
